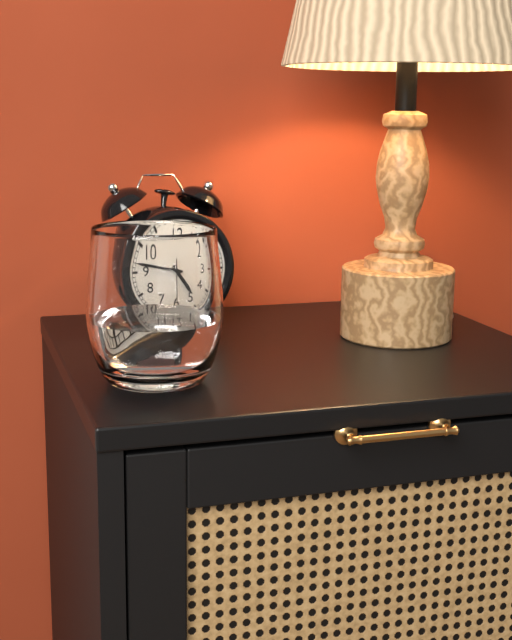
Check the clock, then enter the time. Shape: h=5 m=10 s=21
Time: h=4 m=47 s=30
